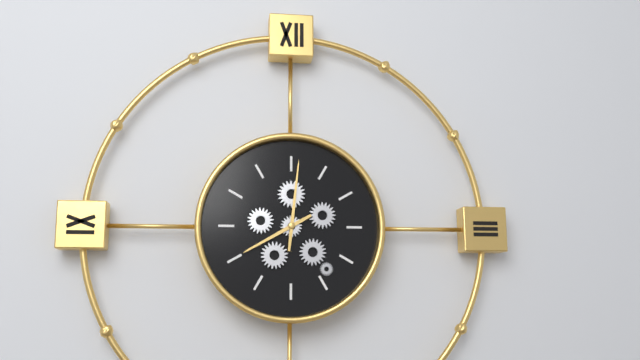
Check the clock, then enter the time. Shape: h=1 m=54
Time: h=8 m=1
